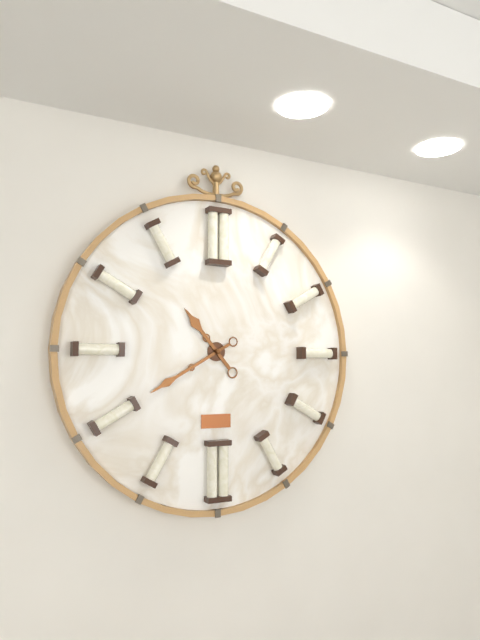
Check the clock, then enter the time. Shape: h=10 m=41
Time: h=10 m=40
